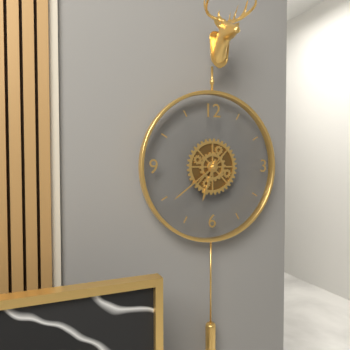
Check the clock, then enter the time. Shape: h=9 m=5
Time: h=6 m=39
